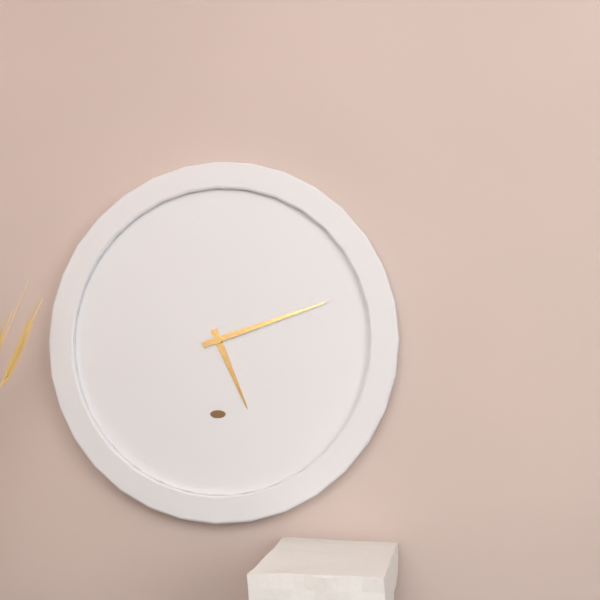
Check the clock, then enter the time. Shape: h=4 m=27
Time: h=5 m=12
